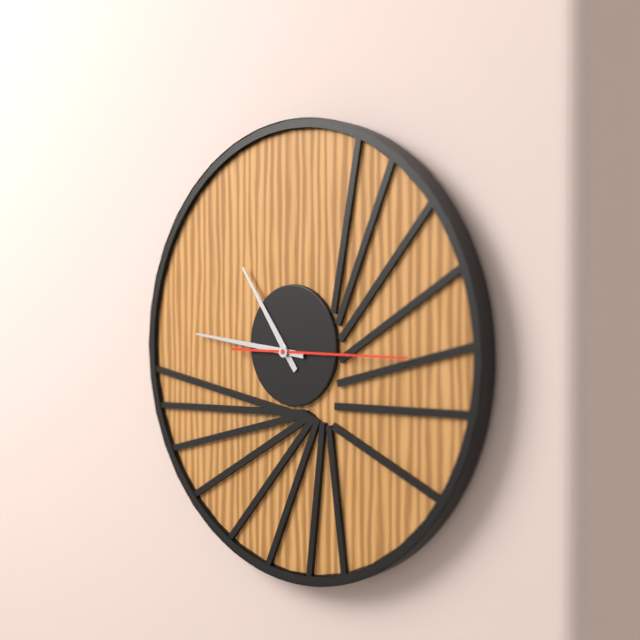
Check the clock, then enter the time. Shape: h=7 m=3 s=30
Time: h=10 m=46 s=15
